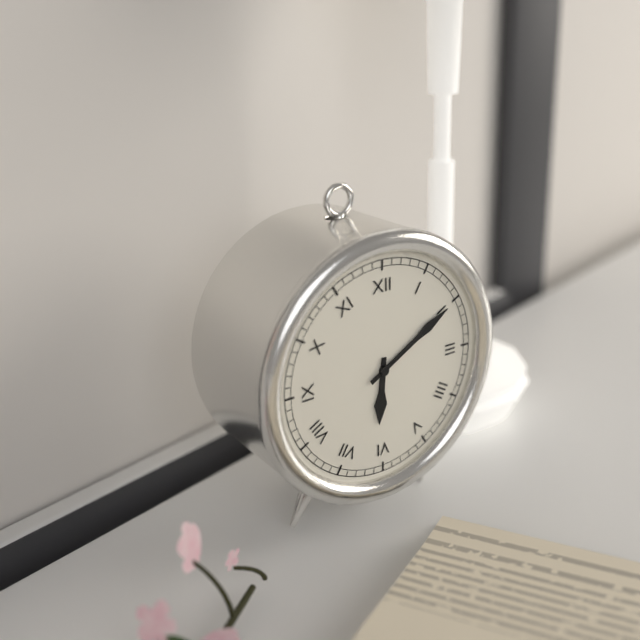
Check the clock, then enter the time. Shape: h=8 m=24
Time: h=6 m=10
